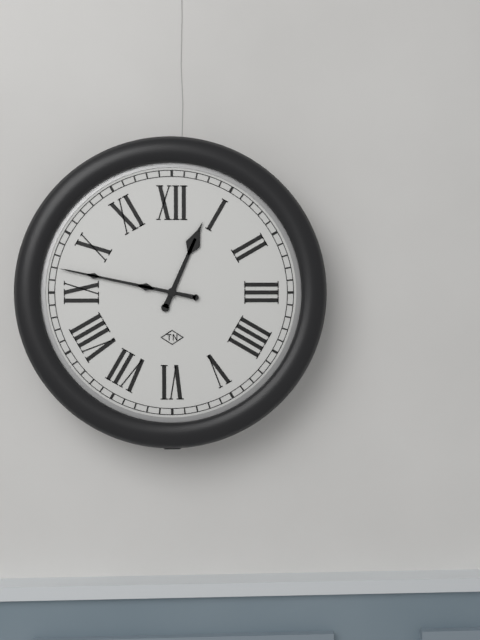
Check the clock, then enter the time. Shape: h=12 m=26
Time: h=12 m=47
